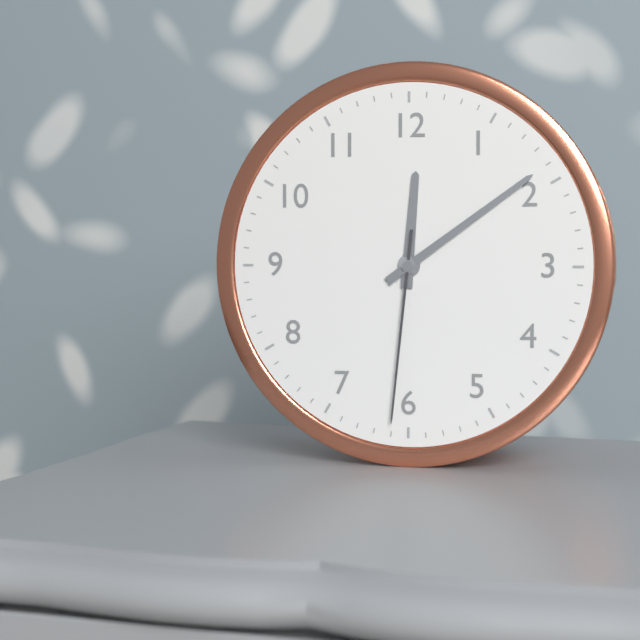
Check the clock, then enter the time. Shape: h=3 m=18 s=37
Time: h=12 m=9 s=31
